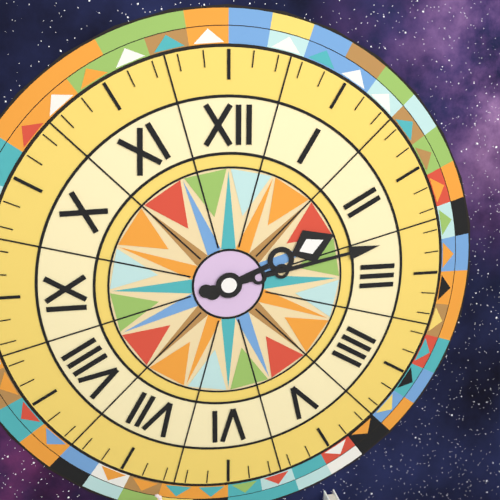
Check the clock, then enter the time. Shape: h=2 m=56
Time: h=2 m=13
